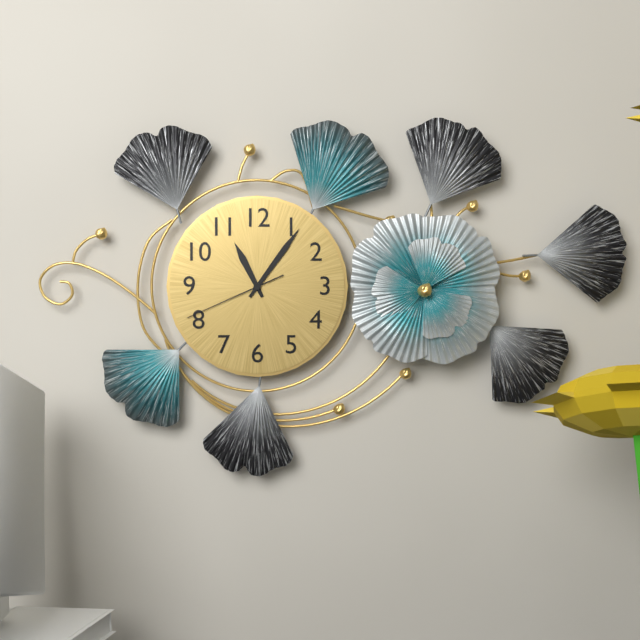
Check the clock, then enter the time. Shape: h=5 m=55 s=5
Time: h=11 m=6 s=41
